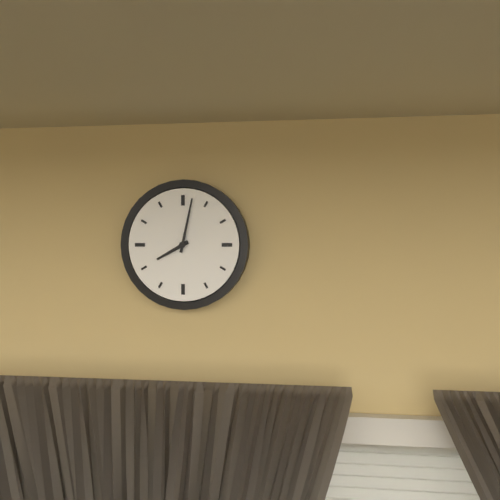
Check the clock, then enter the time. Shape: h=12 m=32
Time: h=8 m=2
